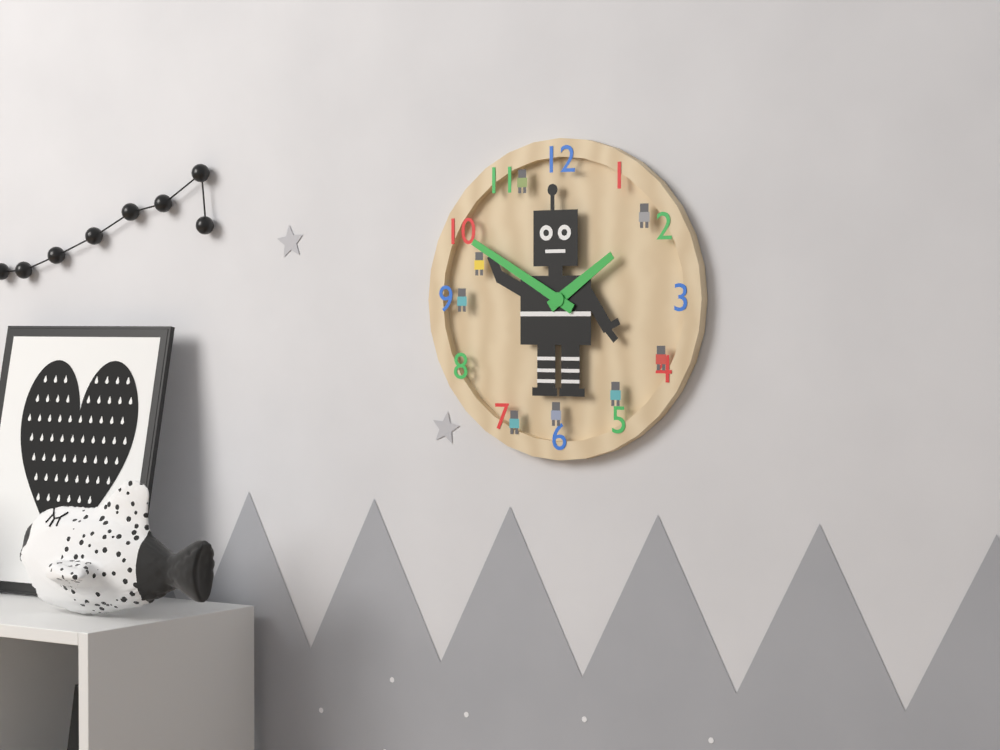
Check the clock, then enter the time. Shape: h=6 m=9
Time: h=1 m=50
